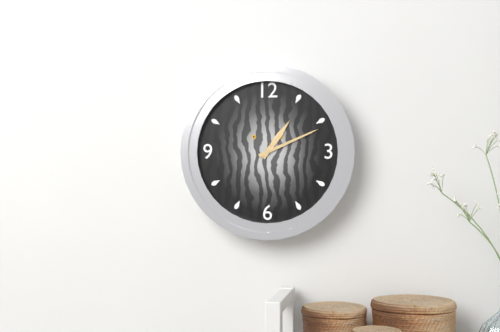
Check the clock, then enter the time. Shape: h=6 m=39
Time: h=1 m=11
